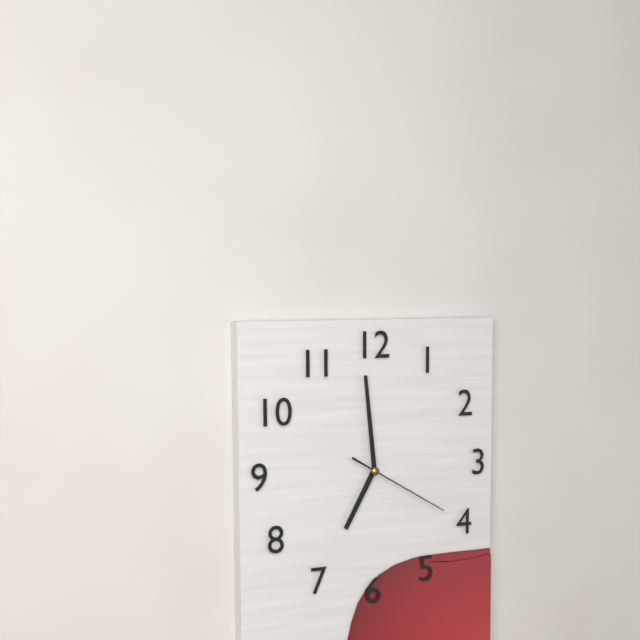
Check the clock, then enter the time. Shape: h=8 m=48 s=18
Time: h=6 m=59 s=20
